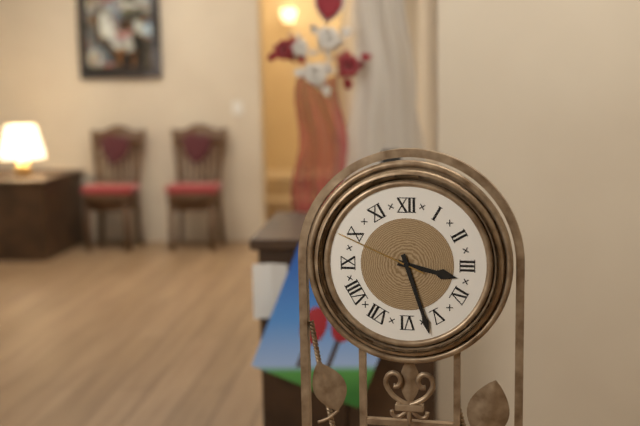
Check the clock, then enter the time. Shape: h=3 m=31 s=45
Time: h=3 m=27 s=49
